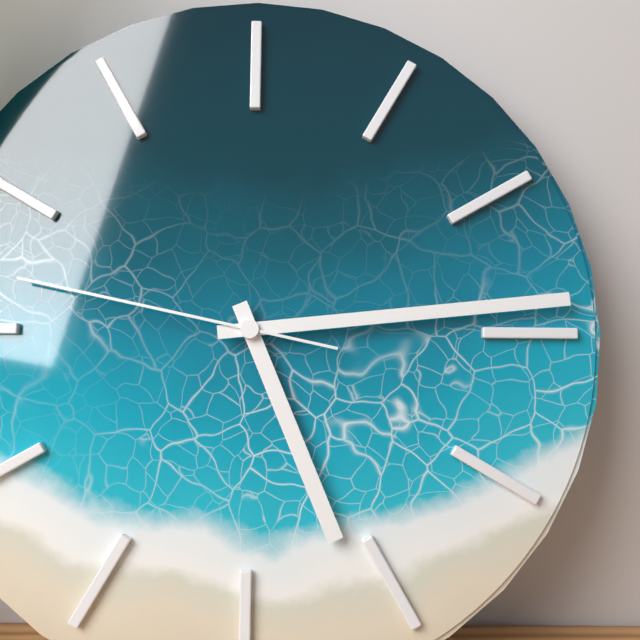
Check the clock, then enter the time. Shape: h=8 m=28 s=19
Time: h=5 m=14 s=47
